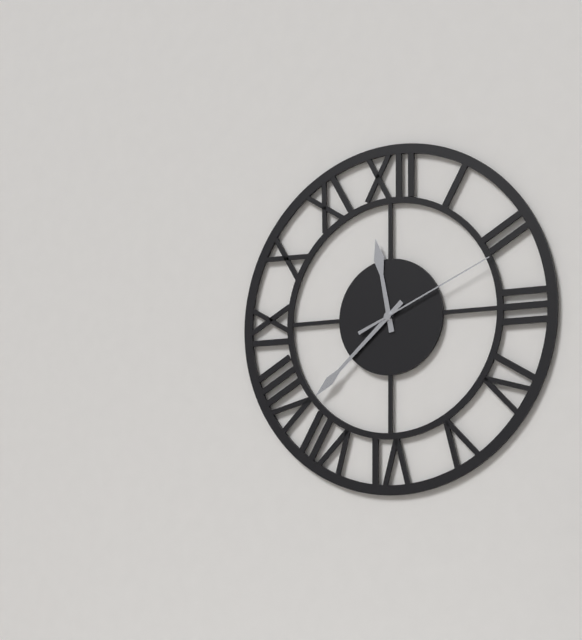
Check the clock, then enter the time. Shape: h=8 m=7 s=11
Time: h=11 m=38 s=11
